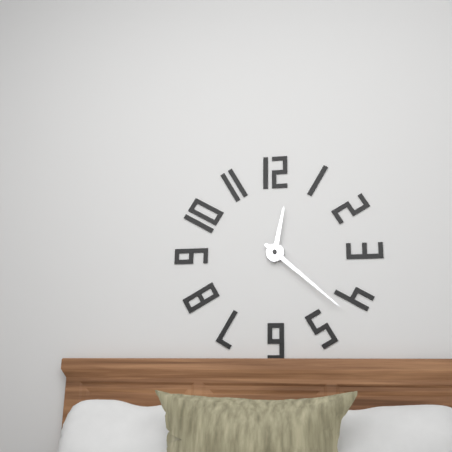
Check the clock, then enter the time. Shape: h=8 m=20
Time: h=12 m=22
